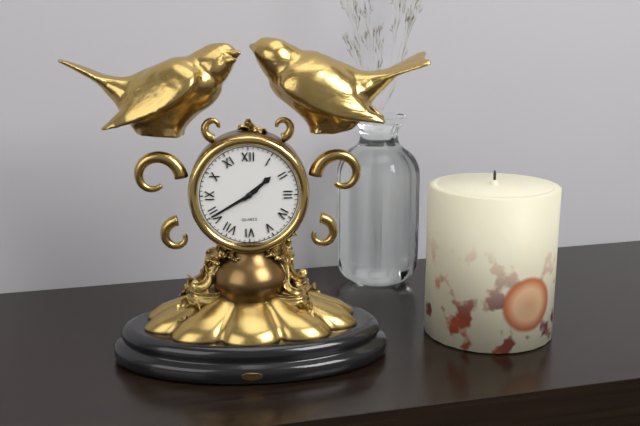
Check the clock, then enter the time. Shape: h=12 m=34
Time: h=1 m=40
